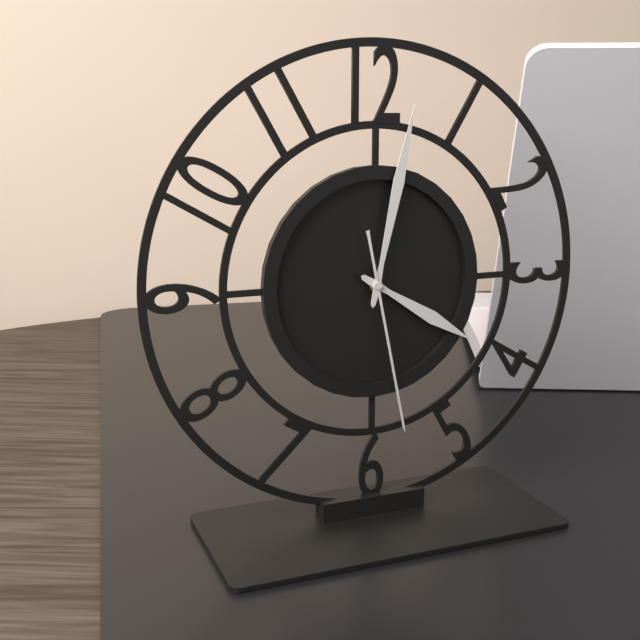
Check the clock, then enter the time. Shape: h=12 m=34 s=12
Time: h=4 m=2 s=28
